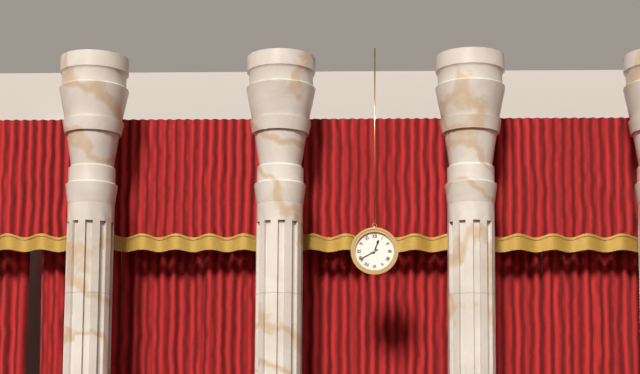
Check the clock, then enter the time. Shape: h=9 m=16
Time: h=12 m=40
